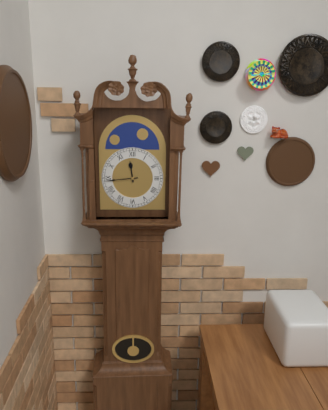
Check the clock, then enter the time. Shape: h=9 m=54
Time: h=11 m=44
